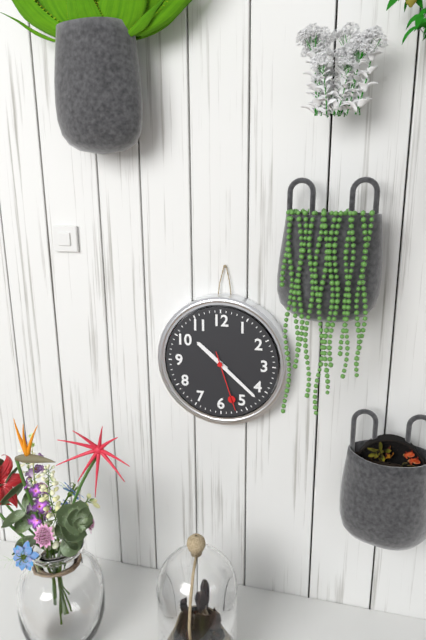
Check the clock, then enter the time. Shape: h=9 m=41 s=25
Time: h=10 m=22 s=27
